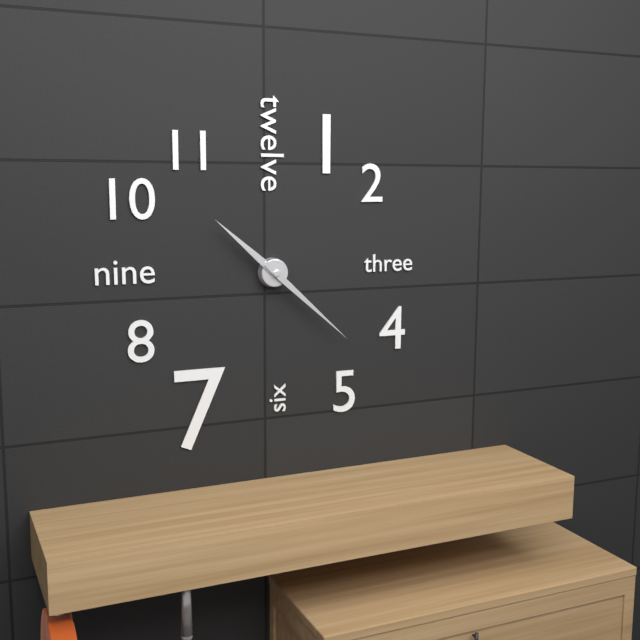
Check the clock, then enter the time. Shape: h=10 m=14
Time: h=10 m=22
